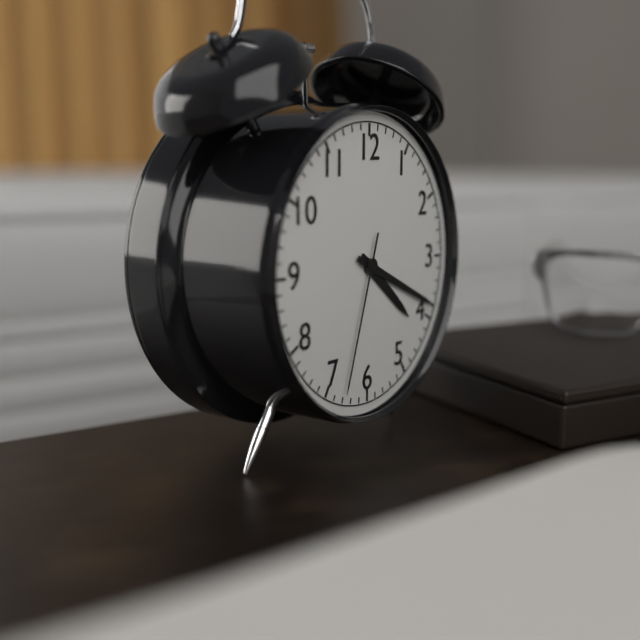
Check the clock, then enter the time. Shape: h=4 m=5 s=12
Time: h=4 m=19 s=33
